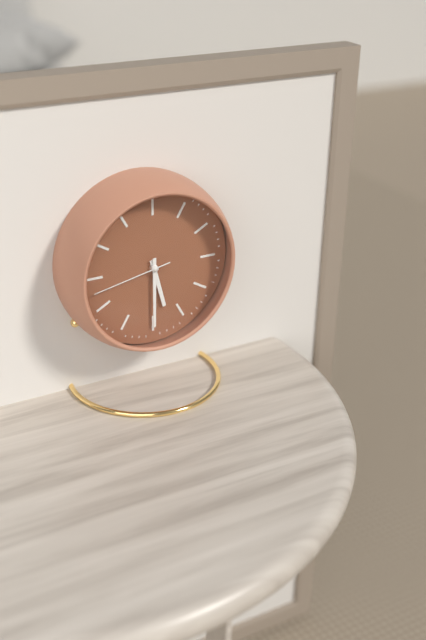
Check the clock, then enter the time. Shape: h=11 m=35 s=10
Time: h=5 m=30 s=43
